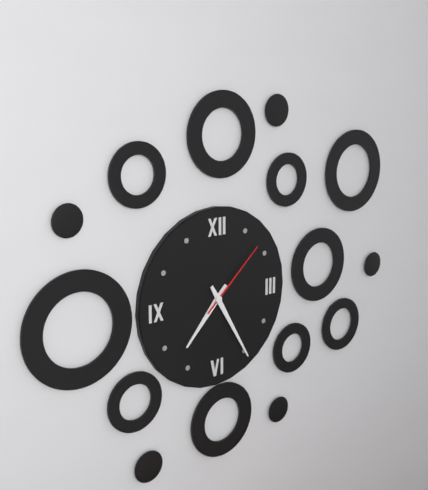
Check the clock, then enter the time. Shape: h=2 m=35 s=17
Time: h=7 m=25 s=8
